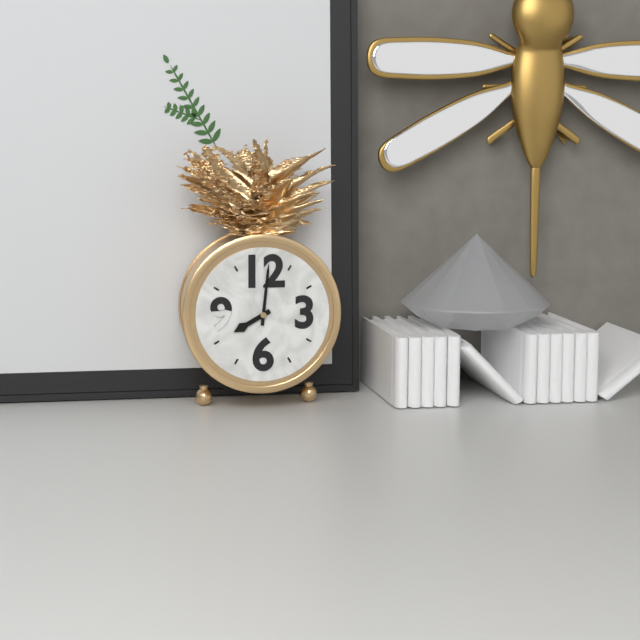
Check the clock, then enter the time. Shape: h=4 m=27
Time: h=8 m=1
